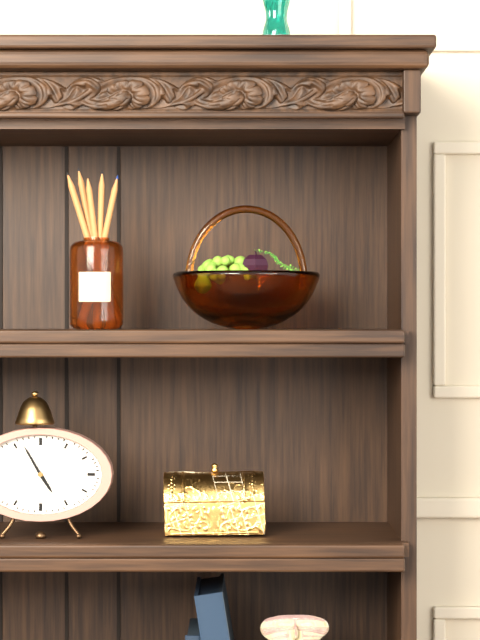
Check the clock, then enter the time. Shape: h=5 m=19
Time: h=4 m=55
